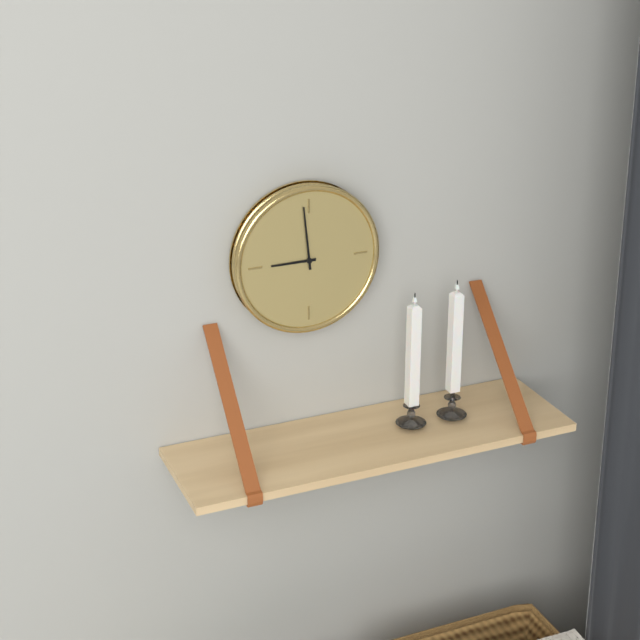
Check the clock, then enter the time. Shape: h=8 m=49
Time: h=8 m=59
